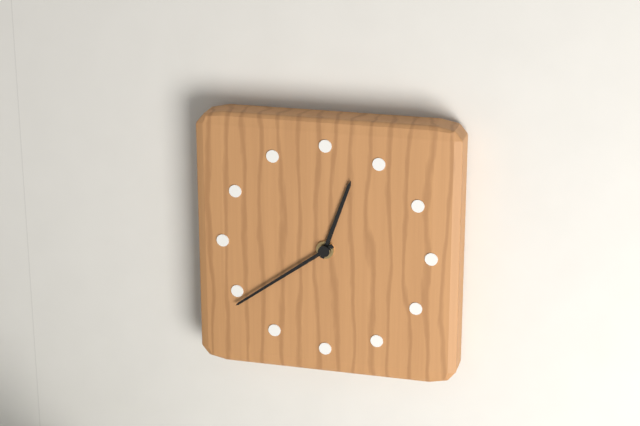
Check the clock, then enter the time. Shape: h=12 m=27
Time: h=12 m=39
